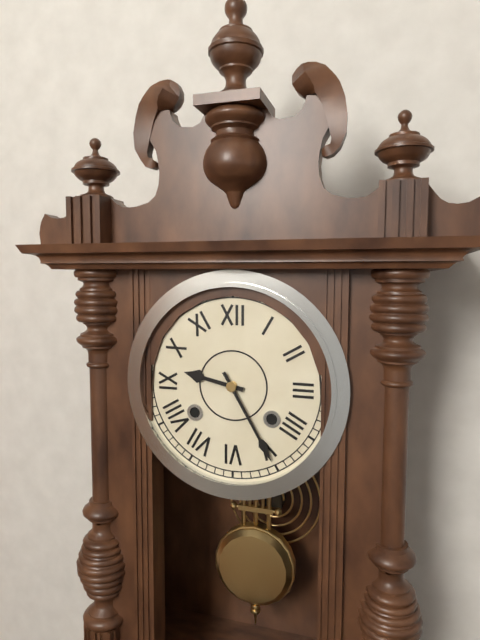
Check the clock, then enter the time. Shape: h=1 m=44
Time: h=9 m=25
